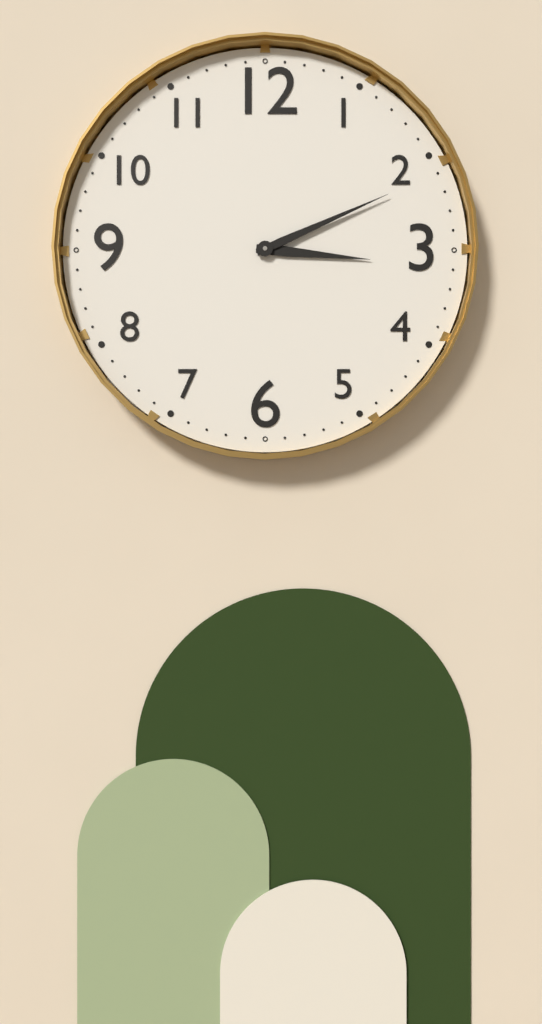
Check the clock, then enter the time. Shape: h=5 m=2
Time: h=3 m=11
